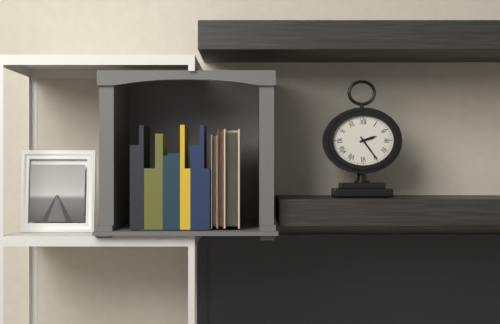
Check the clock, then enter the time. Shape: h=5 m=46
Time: h=2 m=24
